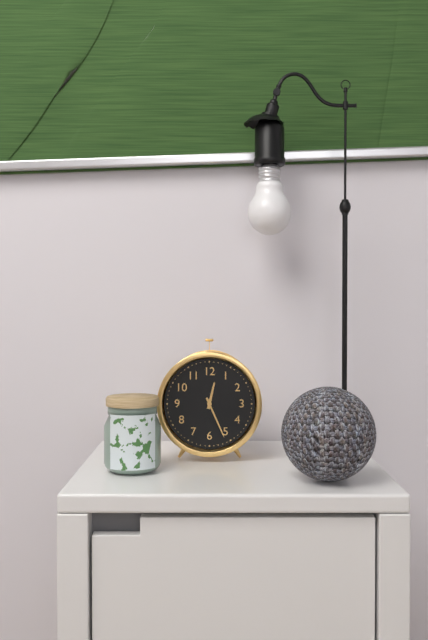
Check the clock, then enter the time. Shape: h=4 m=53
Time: h=12 m=26
